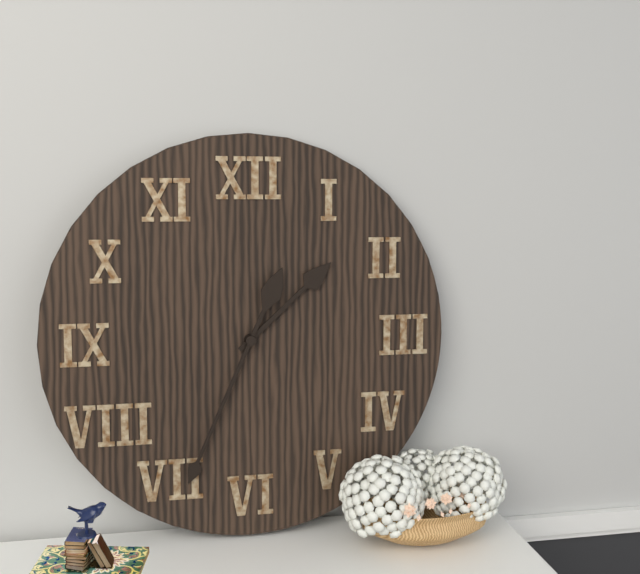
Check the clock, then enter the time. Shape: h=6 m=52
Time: h=1 m=34
